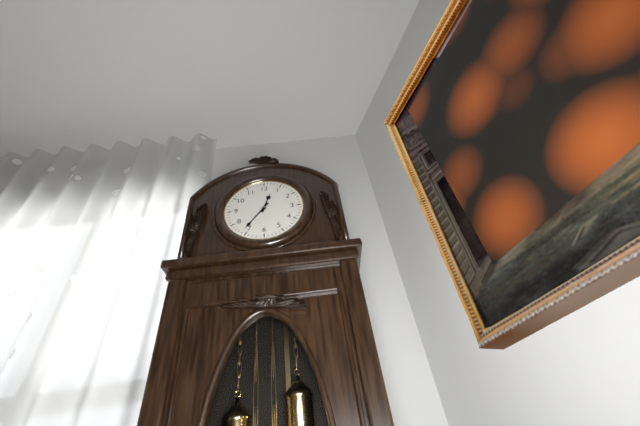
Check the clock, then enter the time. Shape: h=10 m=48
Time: h=12 m=36
